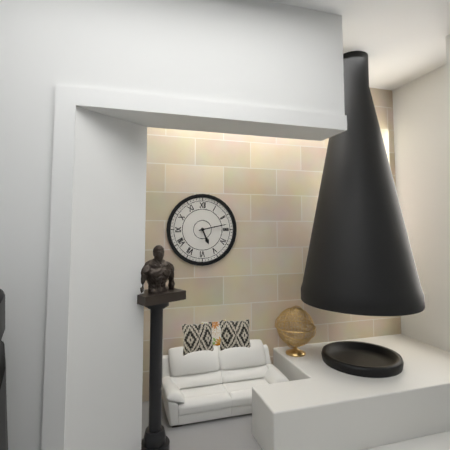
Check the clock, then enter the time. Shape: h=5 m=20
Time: h=5 m=13
